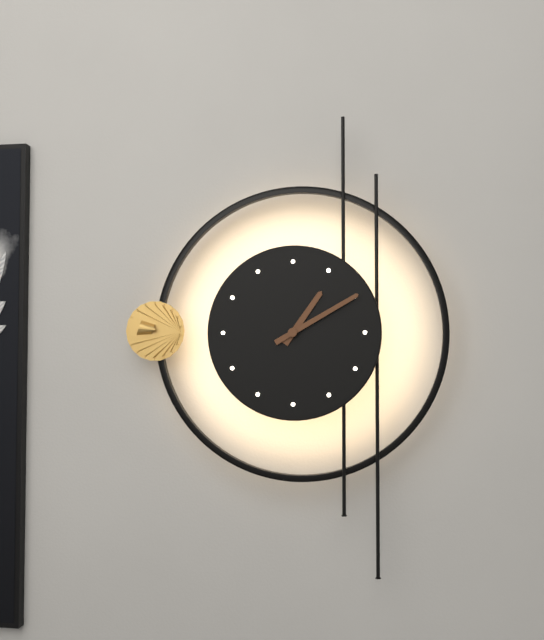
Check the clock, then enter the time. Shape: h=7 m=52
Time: h=1 m=10
